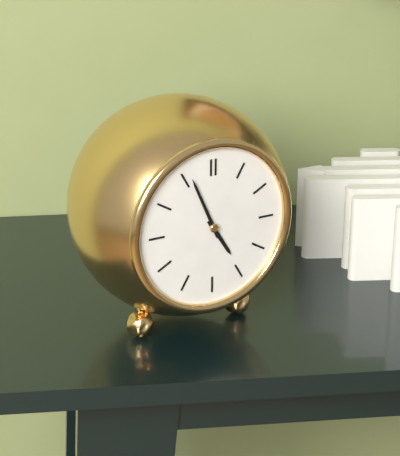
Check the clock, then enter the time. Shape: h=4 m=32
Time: h=4 m=56
